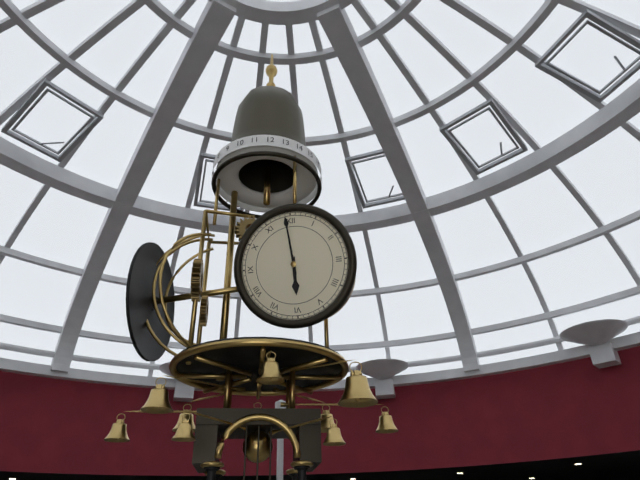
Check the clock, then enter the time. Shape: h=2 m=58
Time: h=5 m=59
